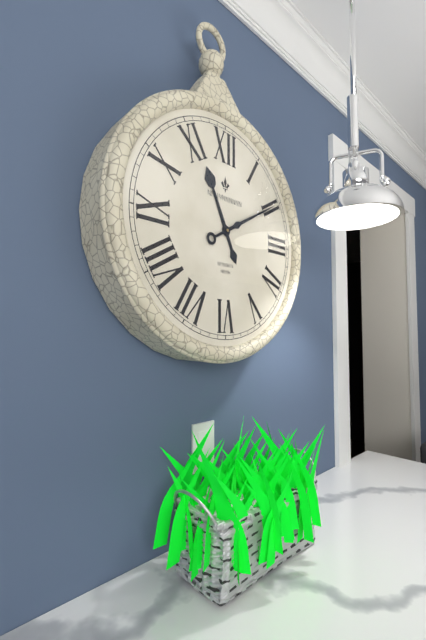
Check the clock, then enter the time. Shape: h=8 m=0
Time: h=11 m=10
